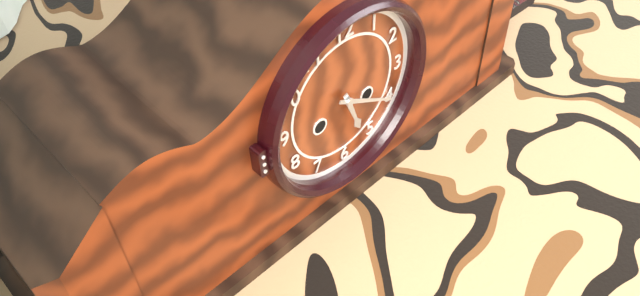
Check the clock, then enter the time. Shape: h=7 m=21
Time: h=5 m=20
